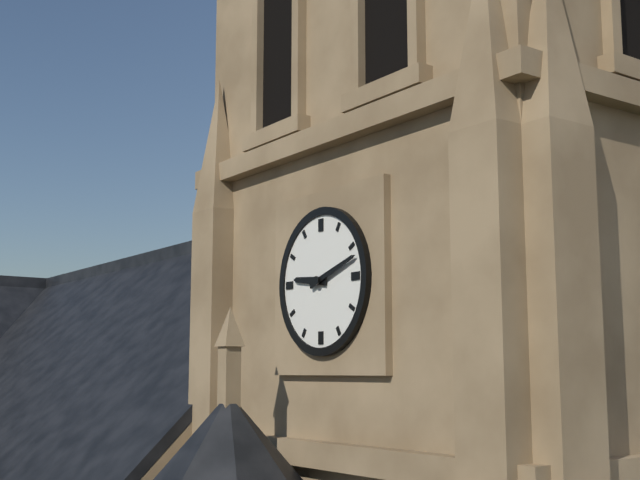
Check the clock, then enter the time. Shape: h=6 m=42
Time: h=9 m=12
